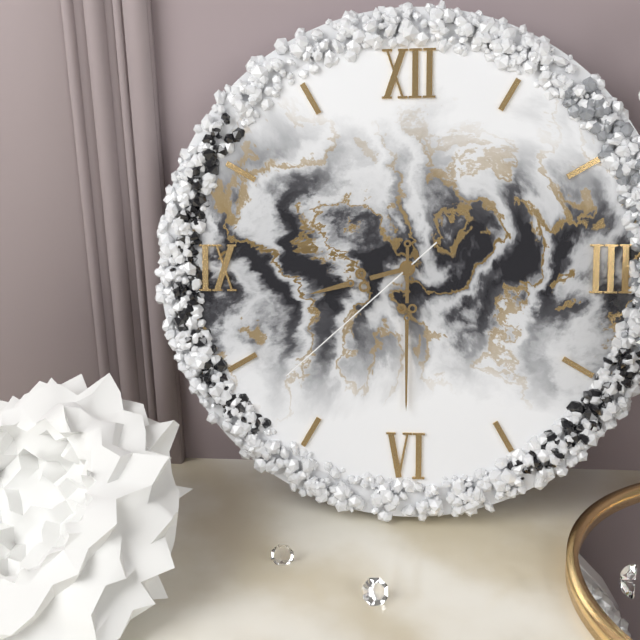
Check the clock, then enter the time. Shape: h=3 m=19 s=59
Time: h=8 m=30 s=38
